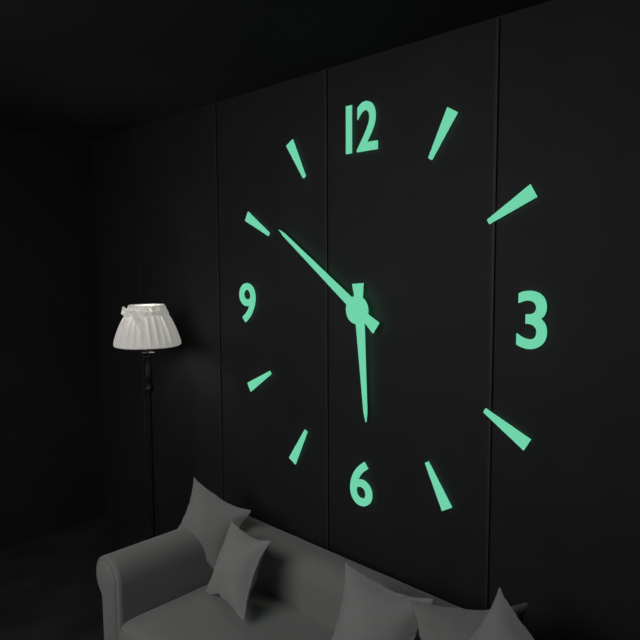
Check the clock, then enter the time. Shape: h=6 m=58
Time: h=5 m=51
